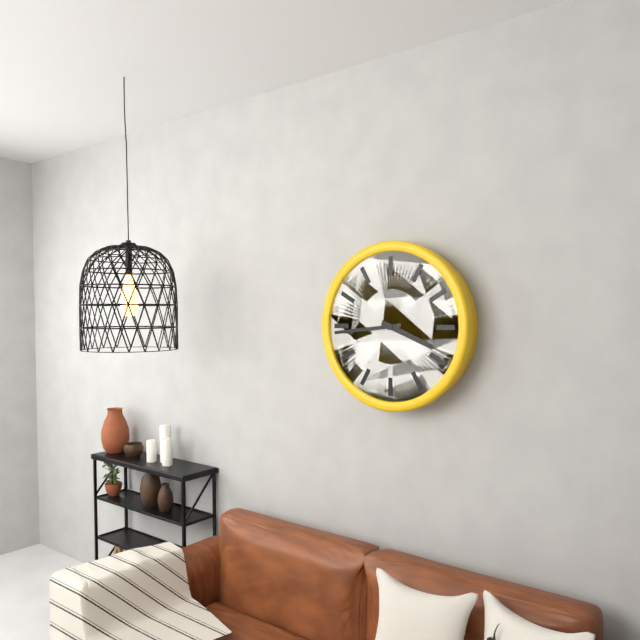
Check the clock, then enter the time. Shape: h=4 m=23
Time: h=3 m=44
